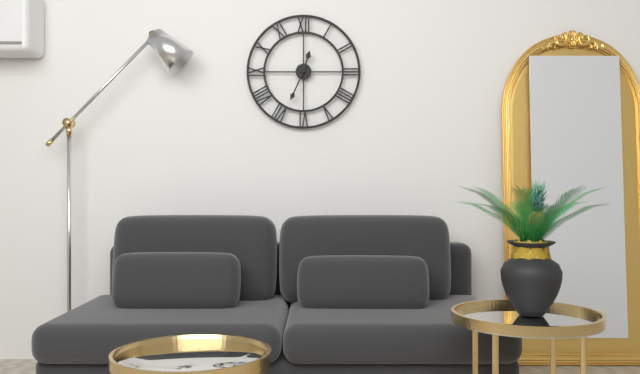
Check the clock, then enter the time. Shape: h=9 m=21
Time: h=12 m=34
